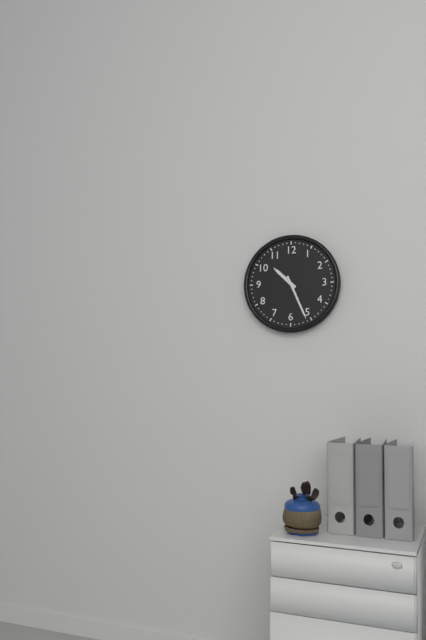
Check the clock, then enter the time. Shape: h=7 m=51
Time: h=10 m=26
